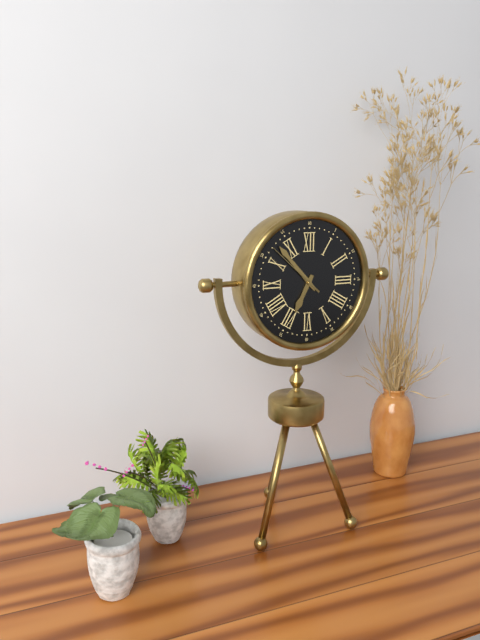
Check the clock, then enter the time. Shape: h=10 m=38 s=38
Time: h=6 m=53 s=52
